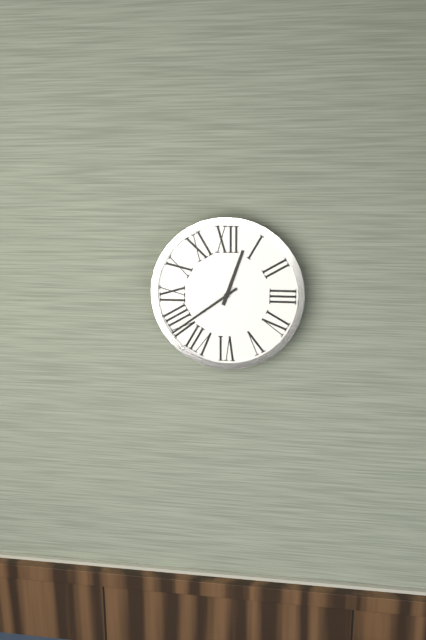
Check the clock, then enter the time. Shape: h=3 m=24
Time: h=12 m=39
